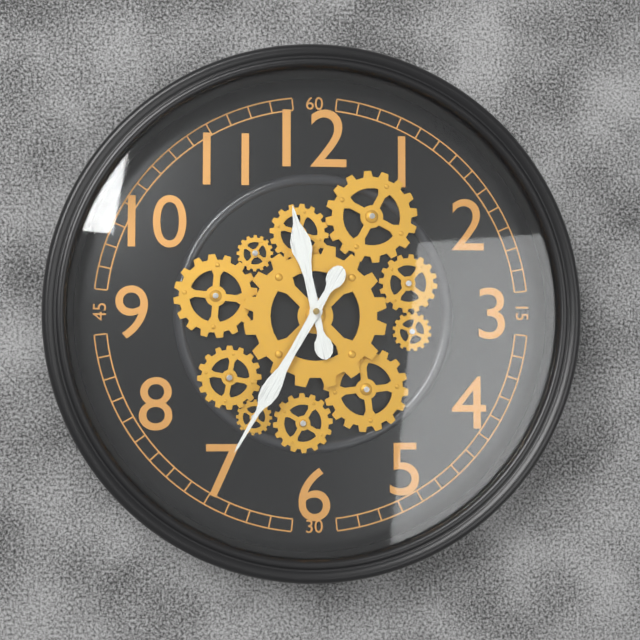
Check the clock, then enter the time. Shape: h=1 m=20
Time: h=11 m=35
